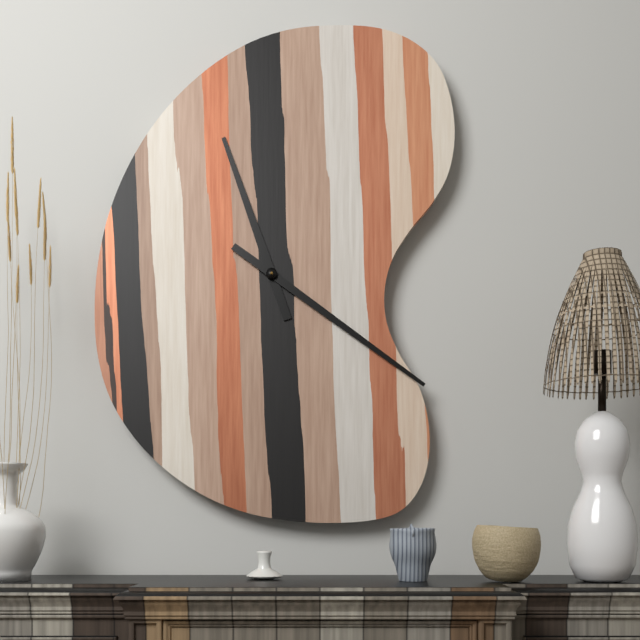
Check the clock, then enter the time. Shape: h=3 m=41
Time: h=11 m=21
